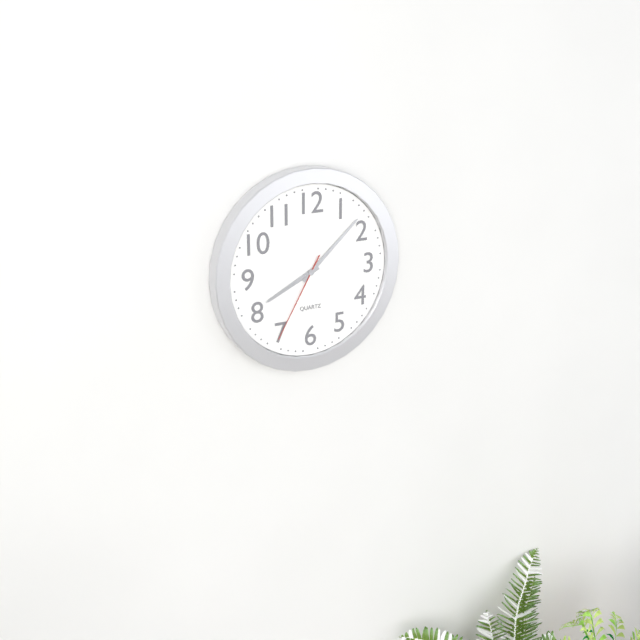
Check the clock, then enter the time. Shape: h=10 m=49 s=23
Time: h=8 m=8 s=35
